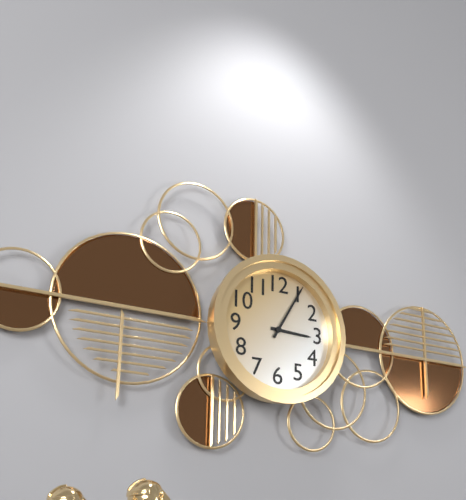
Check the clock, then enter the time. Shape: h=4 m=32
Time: h=3 m=5
